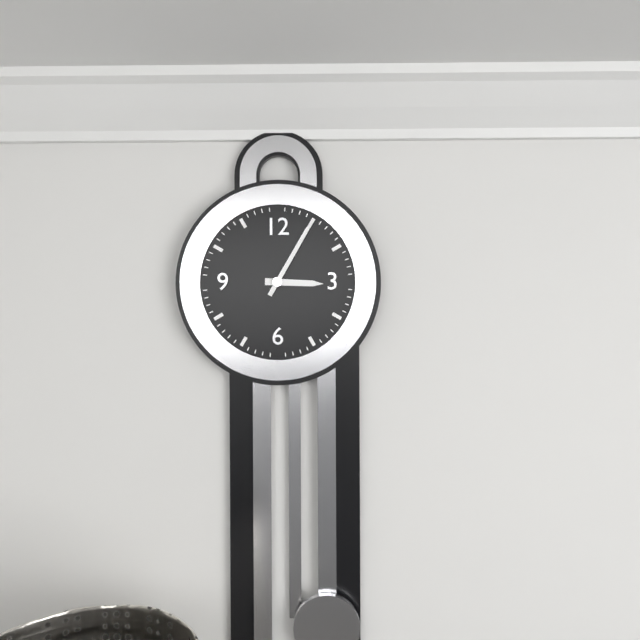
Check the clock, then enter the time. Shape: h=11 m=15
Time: h=3 m=5
